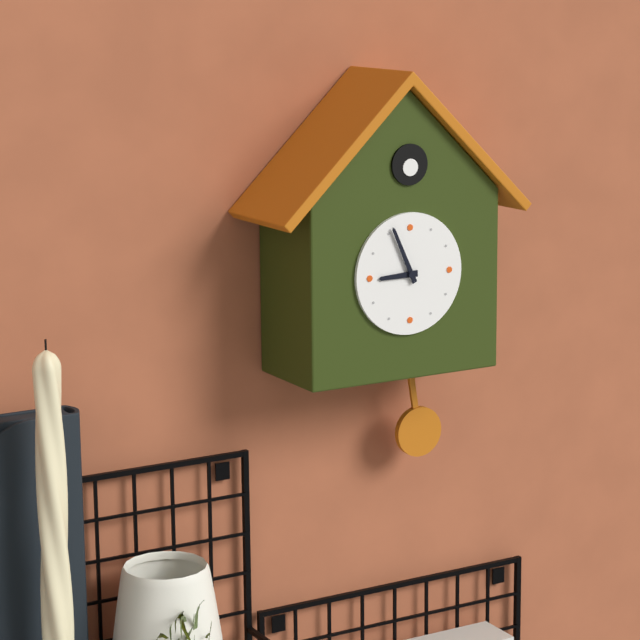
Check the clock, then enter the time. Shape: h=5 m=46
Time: h=8 m=56
